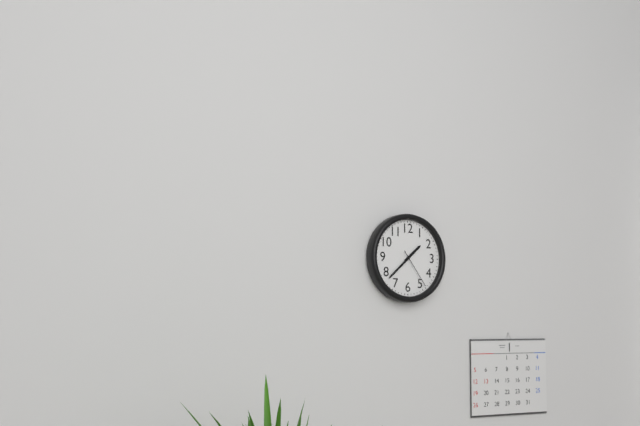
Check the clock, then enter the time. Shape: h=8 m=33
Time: h=1 m=38
